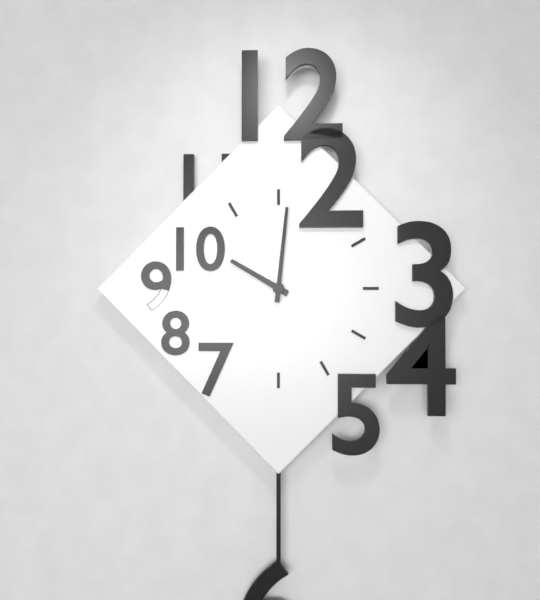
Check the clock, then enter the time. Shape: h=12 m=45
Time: h=10 m=1
